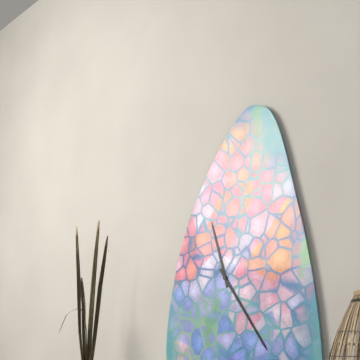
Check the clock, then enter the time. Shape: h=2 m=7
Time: h=11 m=24
